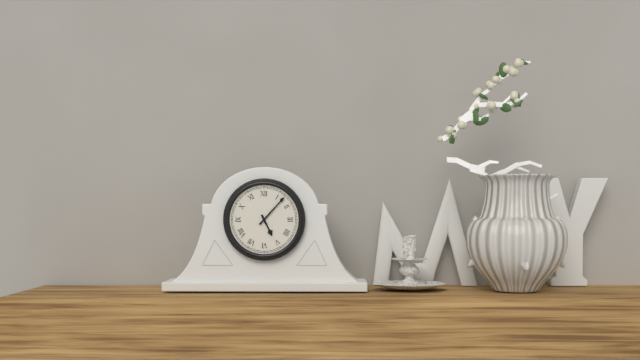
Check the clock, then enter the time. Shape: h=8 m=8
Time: h=5 m=7
